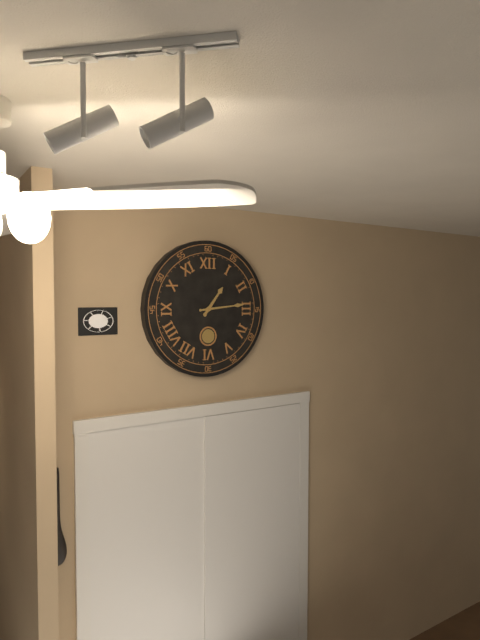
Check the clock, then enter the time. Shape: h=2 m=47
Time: h=1 m=14
